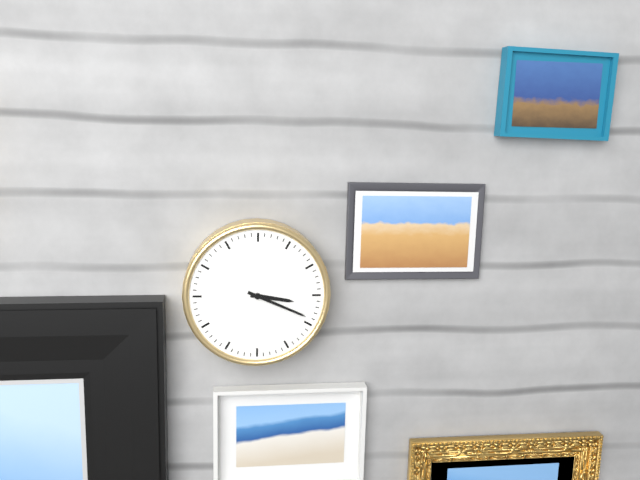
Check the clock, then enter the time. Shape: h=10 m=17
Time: h=3 m=19
